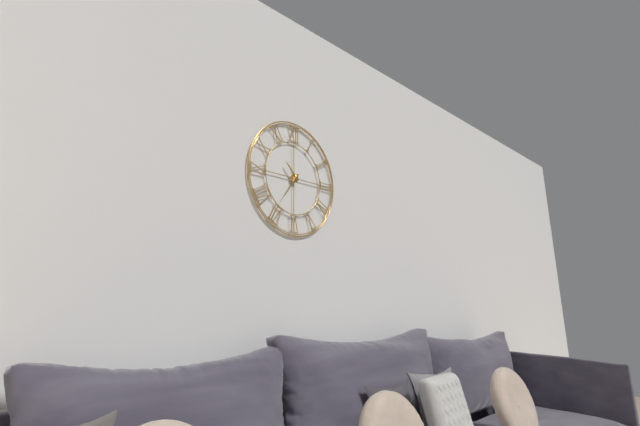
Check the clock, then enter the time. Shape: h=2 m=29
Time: h=10 m=36
